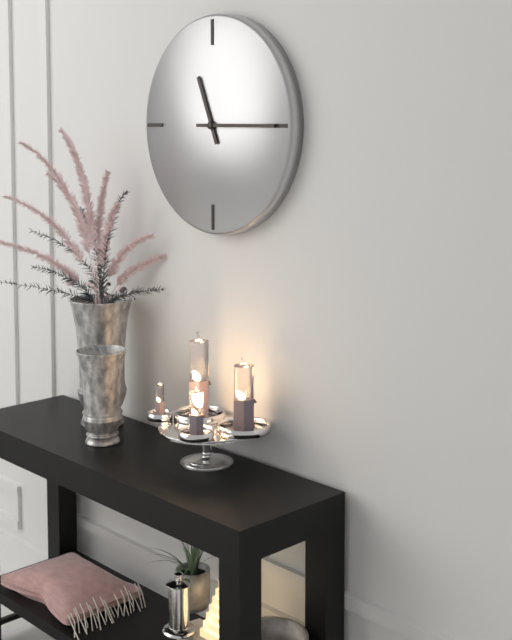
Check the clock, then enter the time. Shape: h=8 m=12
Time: h=11 m=15
